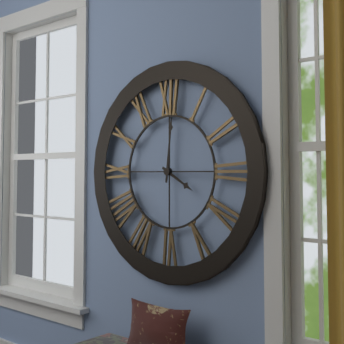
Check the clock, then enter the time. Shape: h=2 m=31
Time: h=4 m=1
